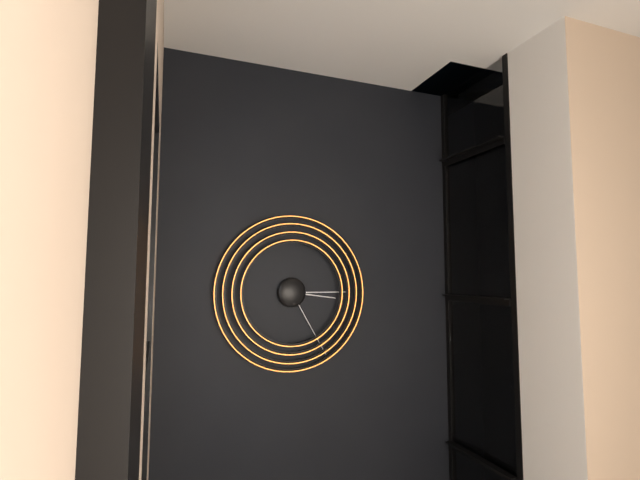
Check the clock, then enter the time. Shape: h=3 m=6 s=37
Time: h=3 m=15 s=25
